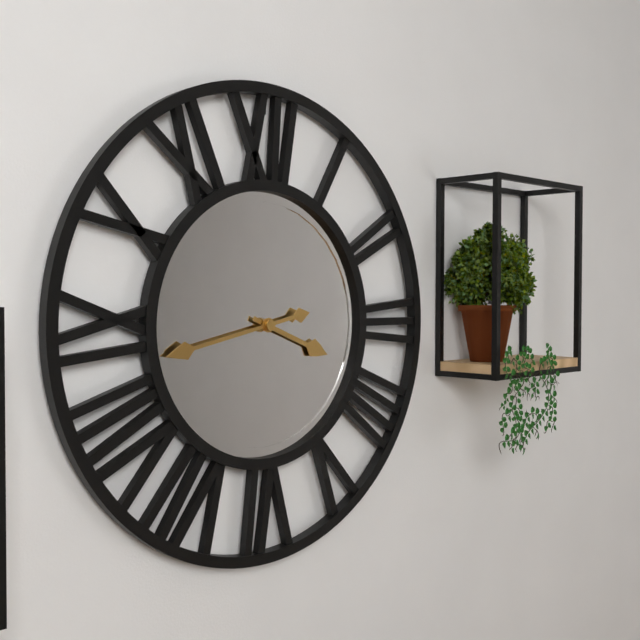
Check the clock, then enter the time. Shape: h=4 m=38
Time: h=3 m=43
